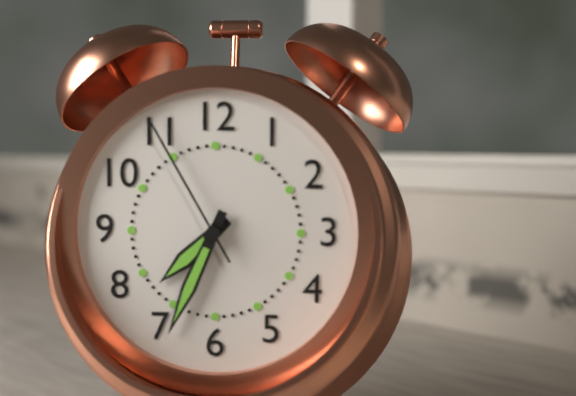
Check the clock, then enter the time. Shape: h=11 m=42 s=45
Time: h=7 m=34 s=55
